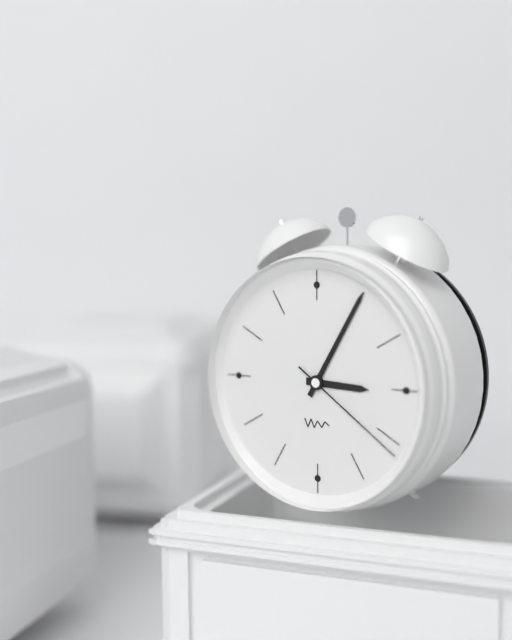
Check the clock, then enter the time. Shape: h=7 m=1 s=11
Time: h=3 m=5 s=21
